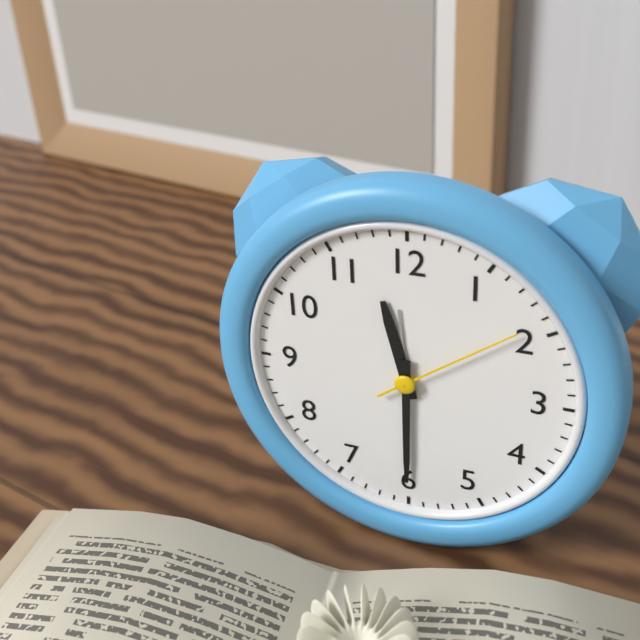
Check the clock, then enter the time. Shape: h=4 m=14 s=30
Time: h=11 m=30 s=9
